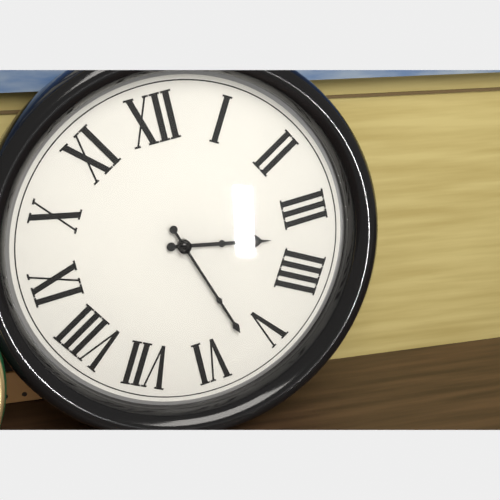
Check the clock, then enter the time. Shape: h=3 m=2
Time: h=3 m=27
